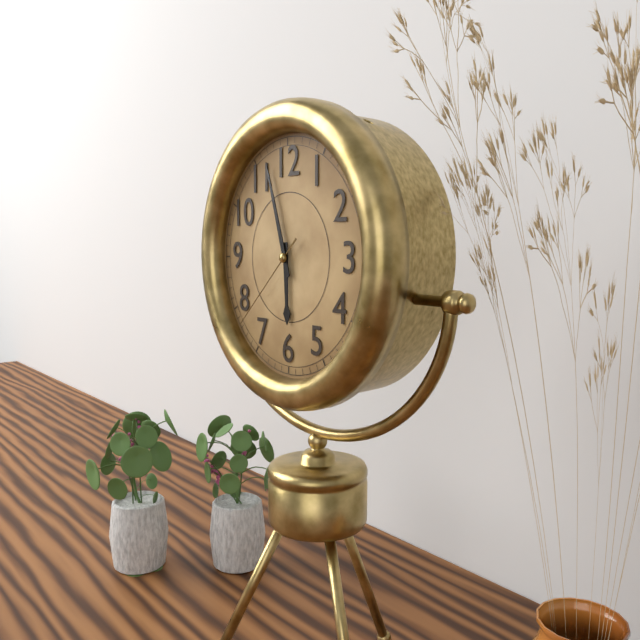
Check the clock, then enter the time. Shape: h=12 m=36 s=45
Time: h=5 m=57 s=38
